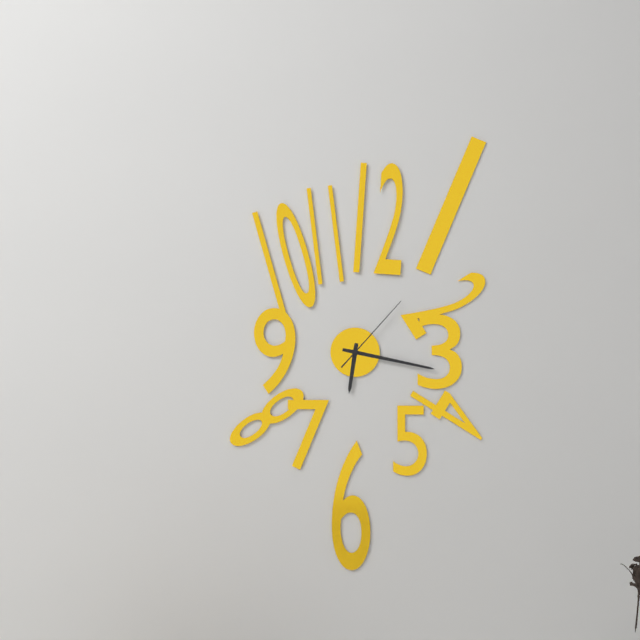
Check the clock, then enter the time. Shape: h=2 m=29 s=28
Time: h=6 m=17 s=7
